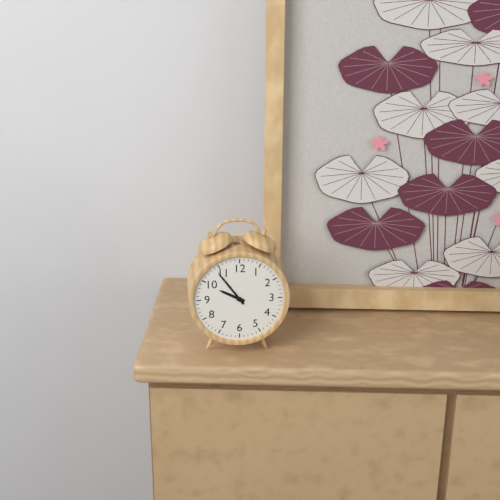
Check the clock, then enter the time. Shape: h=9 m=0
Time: h=9 m=54
